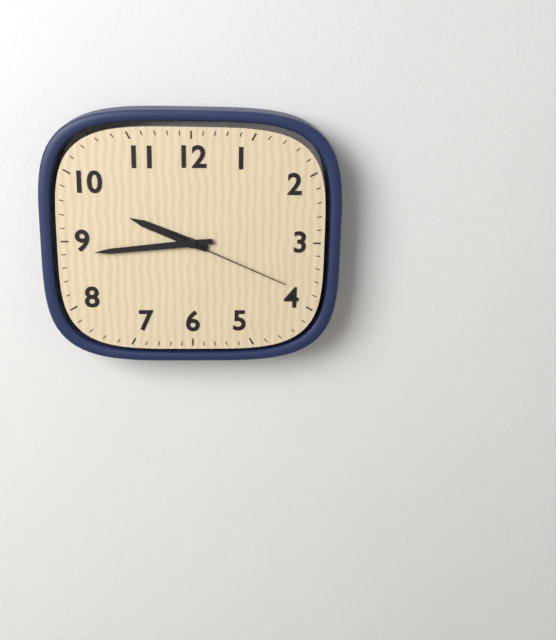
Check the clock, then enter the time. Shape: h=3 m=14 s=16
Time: h=9 m=44 s=19
